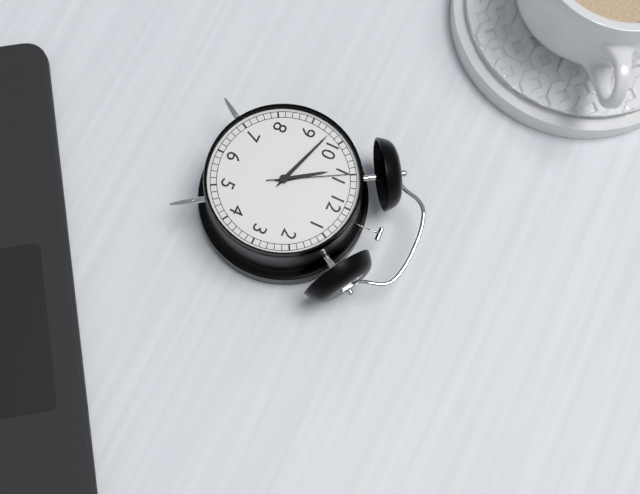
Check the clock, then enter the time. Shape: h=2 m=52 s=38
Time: h=10 m=48 s=55
